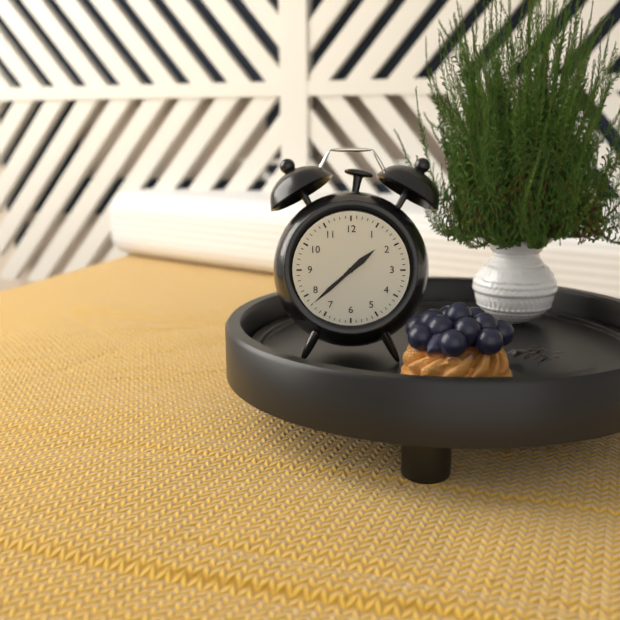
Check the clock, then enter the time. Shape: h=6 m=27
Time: h=1 m=38
